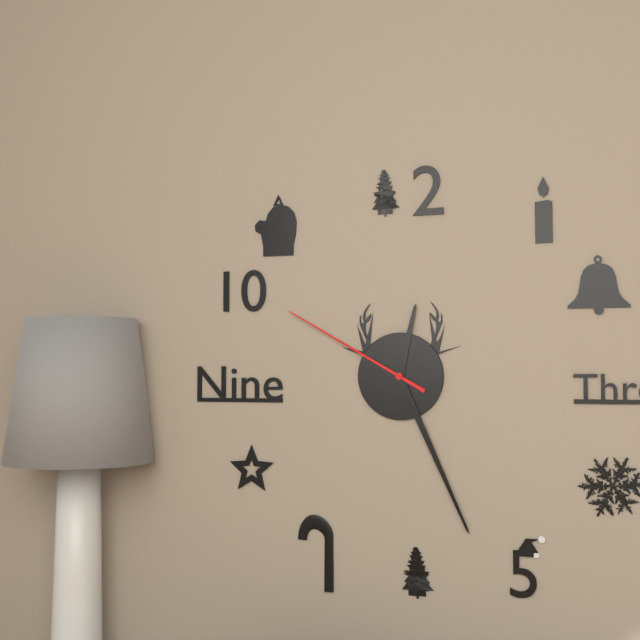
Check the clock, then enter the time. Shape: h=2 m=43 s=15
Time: h=12 m=26 s=50
